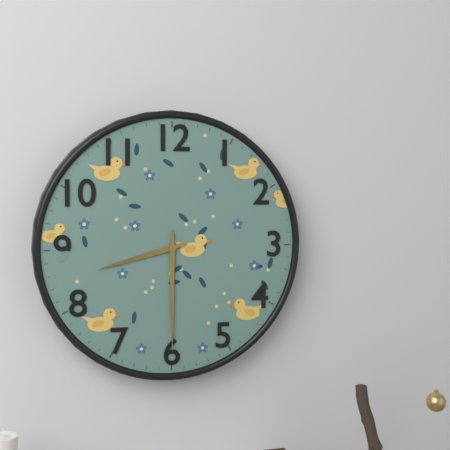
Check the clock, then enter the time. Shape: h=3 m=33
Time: h=8 m=30
